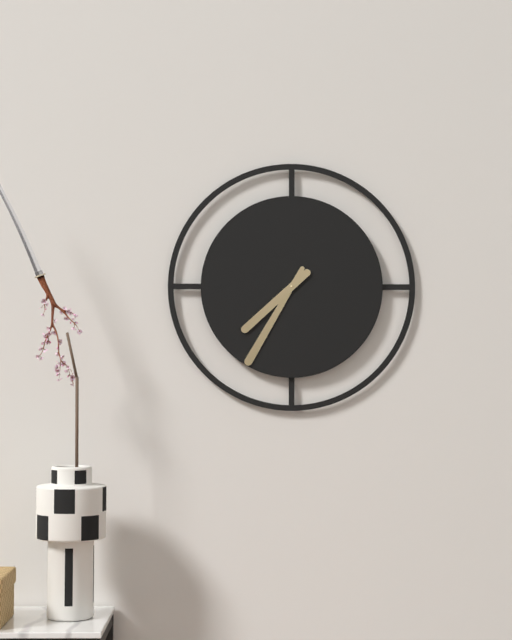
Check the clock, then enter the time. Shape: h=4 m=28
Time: h=7 m=35
